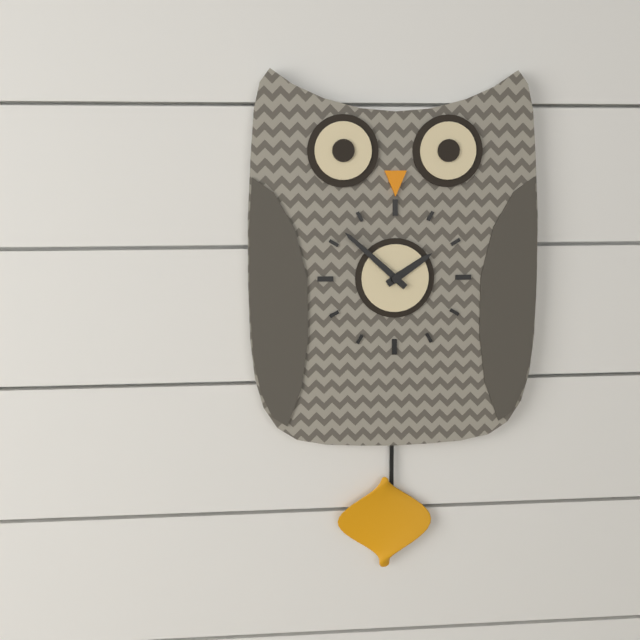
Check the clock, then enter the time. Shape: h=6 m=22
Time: h=1 m=52
